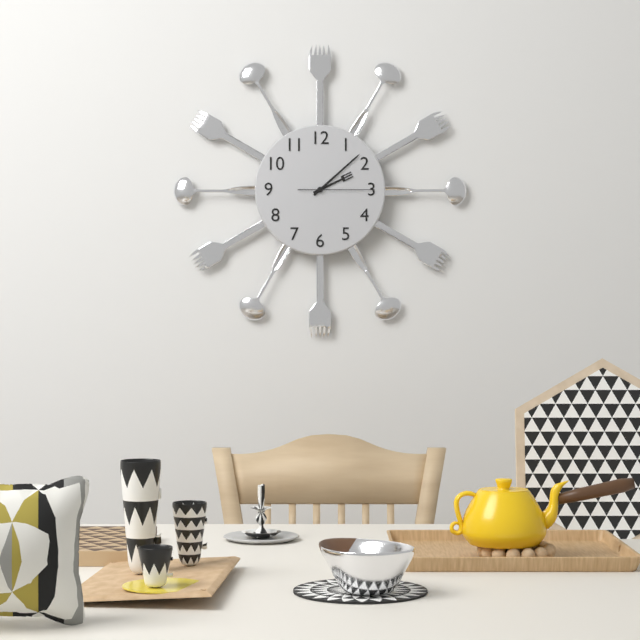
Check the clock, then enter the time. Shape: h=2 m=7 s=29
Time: h=2 m=8 s=15
